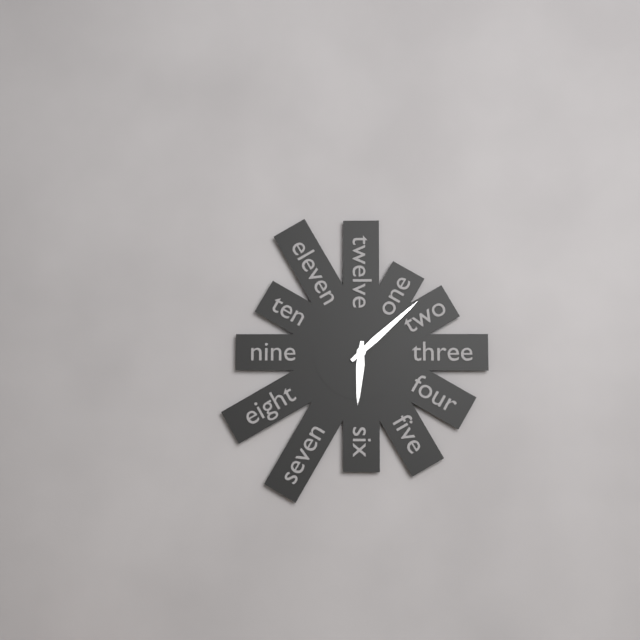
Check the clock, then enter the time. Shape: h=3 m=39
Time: h=6 m=8
